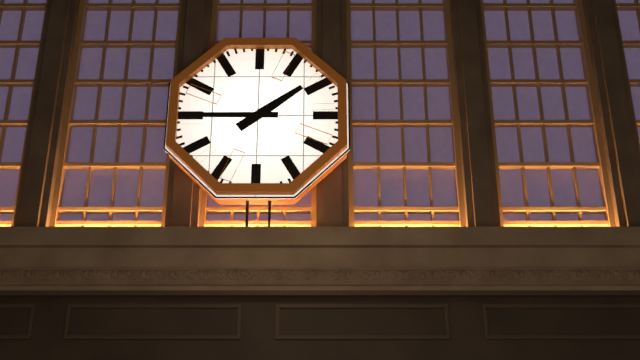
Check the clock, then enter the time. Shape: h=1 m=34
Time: h=1 m=45
